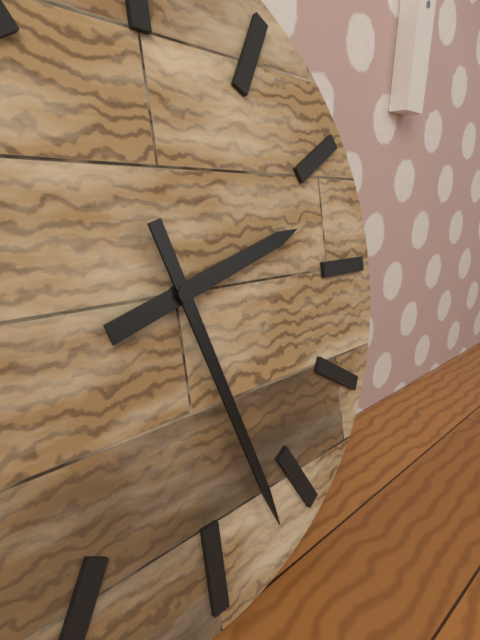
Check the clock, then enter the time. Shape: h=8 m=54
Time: h=2 m=27
